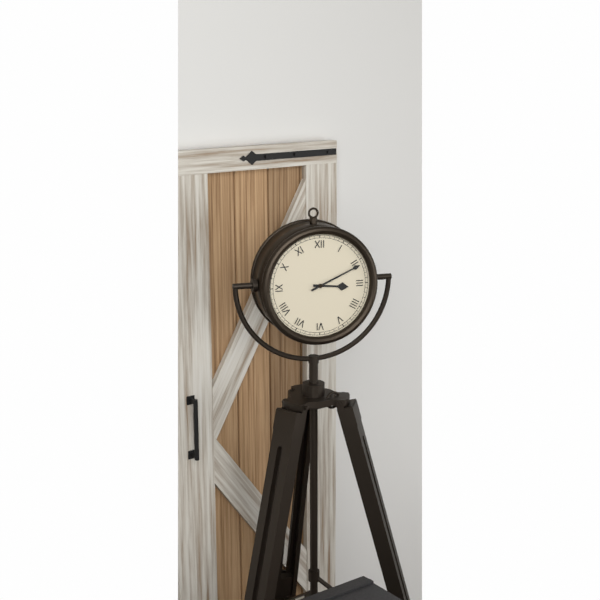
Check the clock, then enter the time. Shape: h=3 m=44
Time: h=3 m=11
